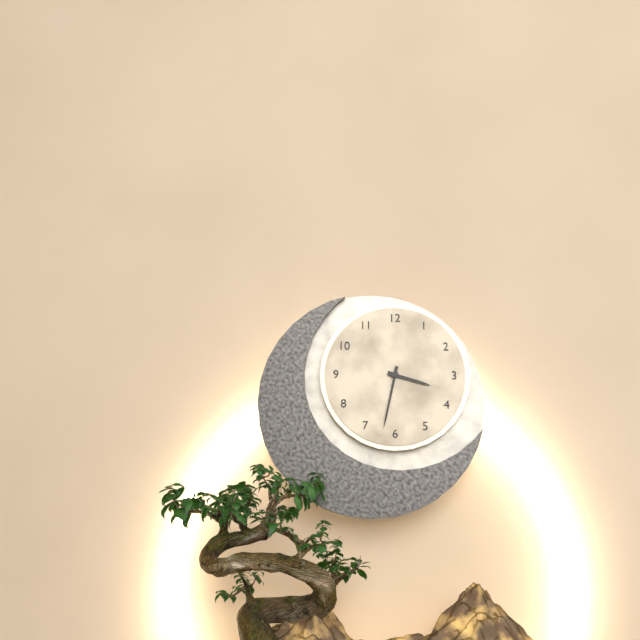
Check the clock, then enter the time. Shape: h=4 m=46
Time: h=3 m=32
